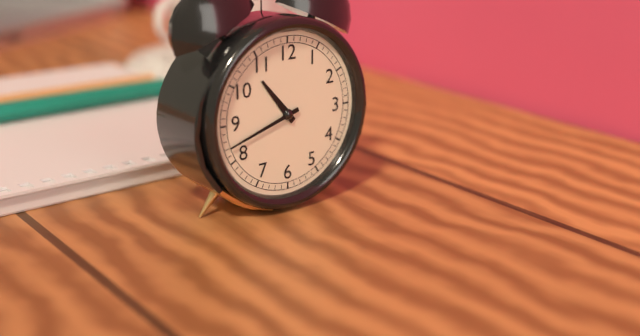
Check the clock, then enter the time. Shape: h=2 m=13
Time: h=10 m=42
